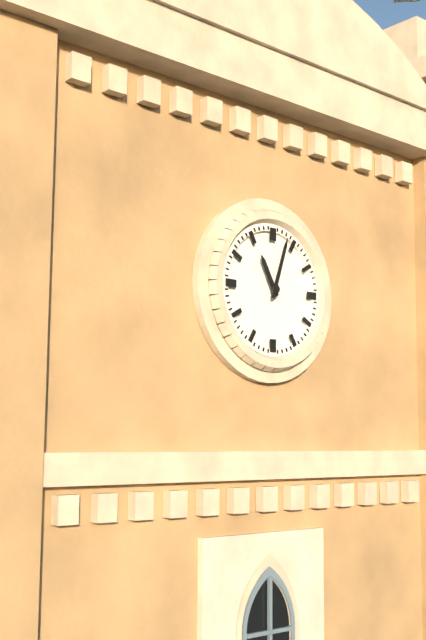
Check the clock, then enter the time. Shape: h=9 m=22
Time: h=11 m=3
